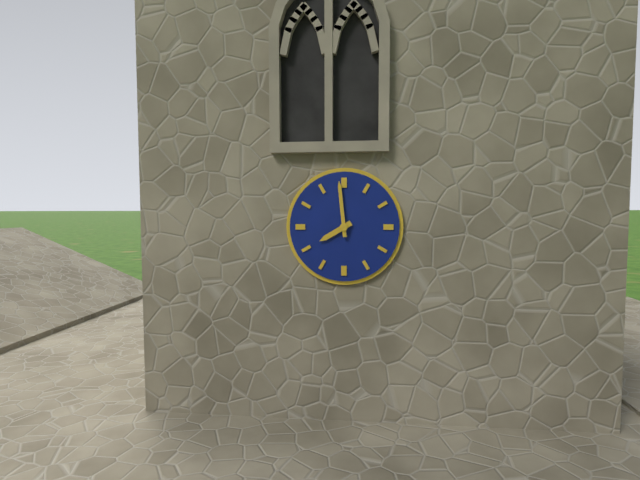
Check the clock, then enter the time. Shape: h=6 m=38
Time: h=7 m=59
